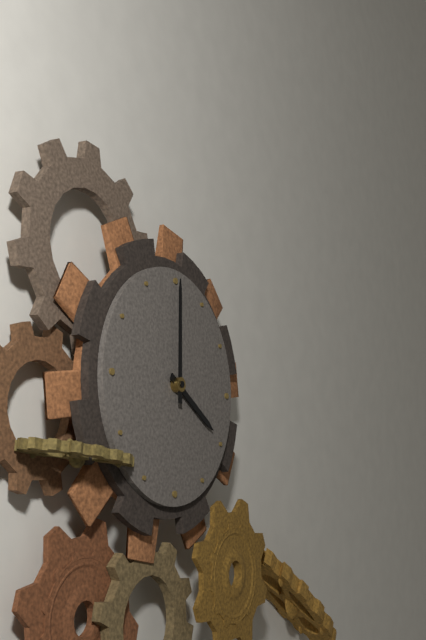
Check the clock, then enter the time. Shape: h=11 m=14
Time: h=4 m=0
